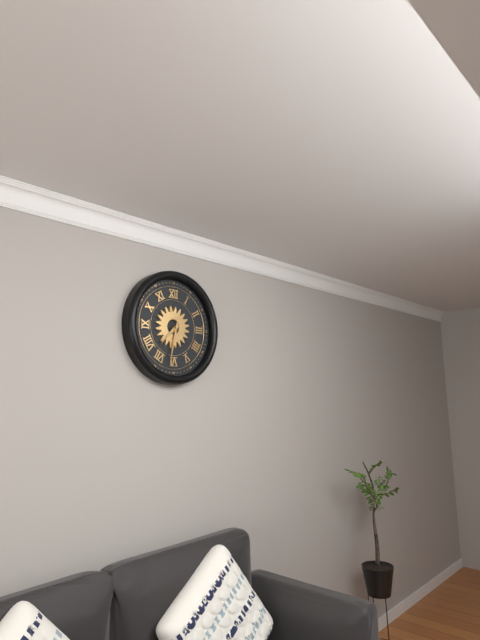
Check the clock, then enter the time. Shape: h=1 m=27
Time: h=7 m=32
